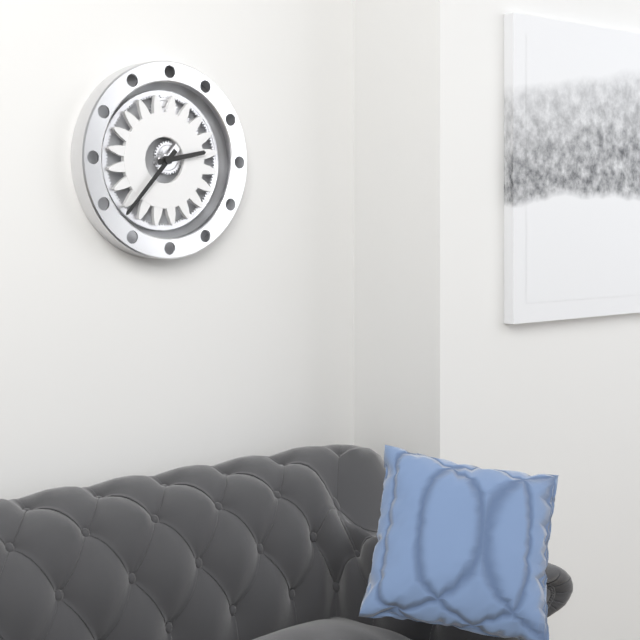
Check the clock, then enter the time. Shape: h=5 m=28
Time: h=2 m=37
